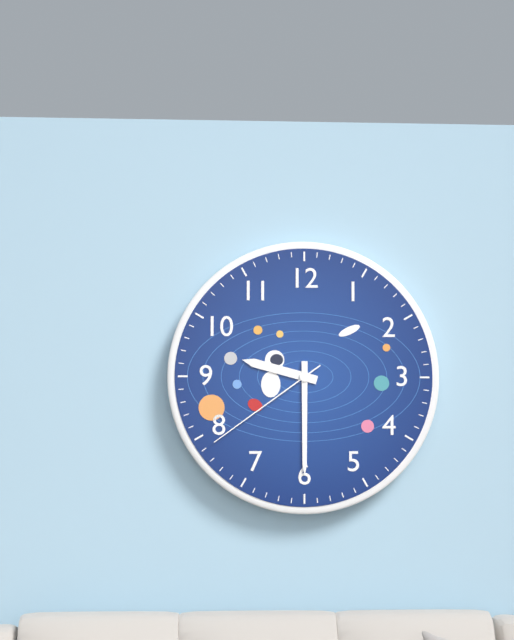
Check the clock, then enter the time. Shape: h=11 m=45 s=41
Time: h=9 m=30 s=39
